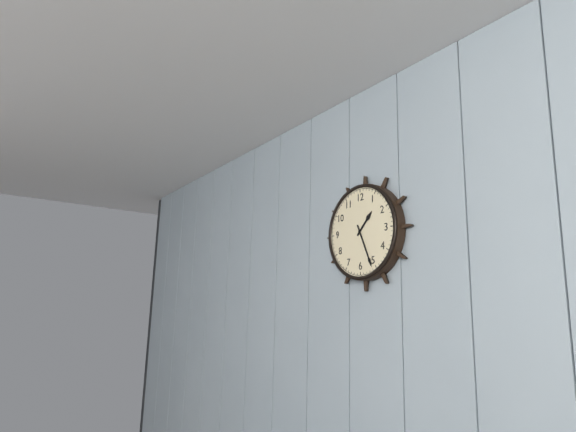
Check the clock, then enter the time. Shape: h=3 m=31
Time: h=1 m=26
